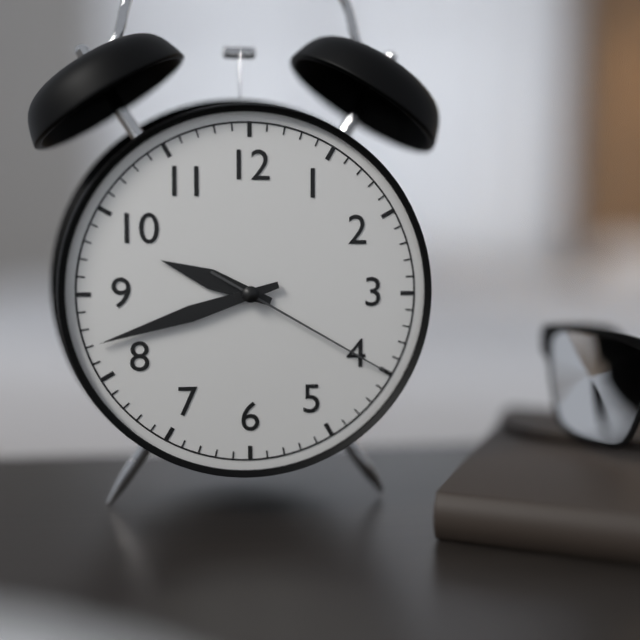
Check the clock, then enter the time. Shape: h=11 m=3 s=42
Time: h=9 m=42 s=20
